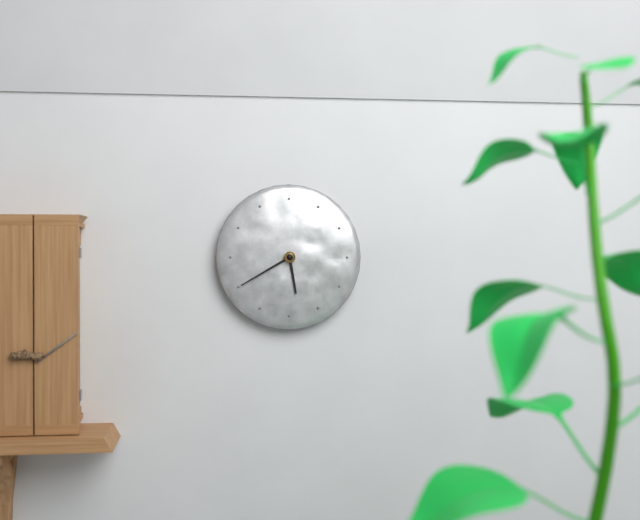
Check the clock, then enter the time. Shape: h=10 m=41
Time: h=5 m=40
